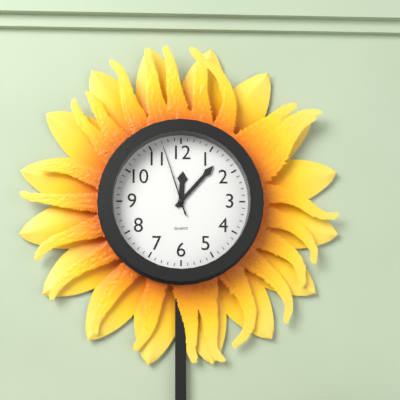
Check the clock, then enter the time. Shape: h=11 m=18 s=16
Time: h=12 m=7 s=57
